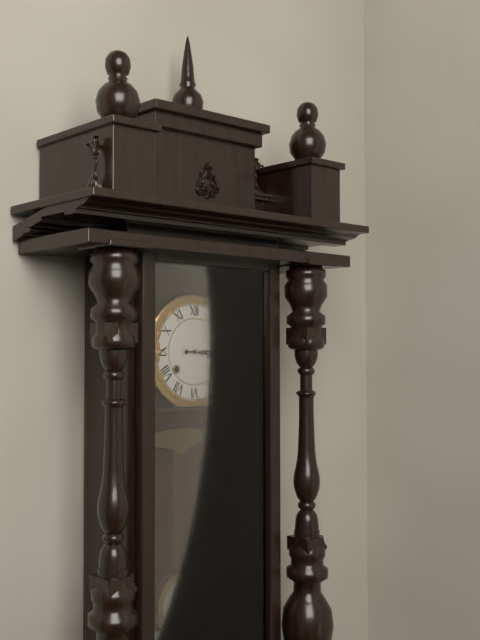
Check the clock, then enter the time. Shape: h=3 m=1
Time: h=3 m=15
